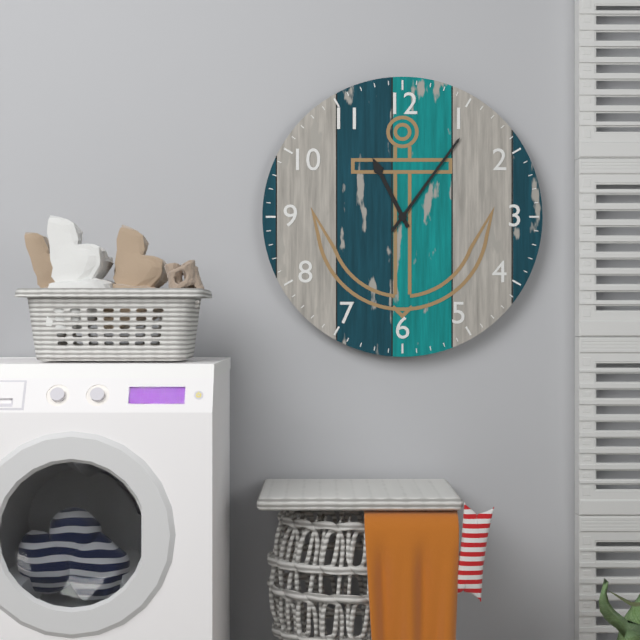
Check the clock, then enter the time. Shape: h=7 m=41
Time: h=11 m=6
